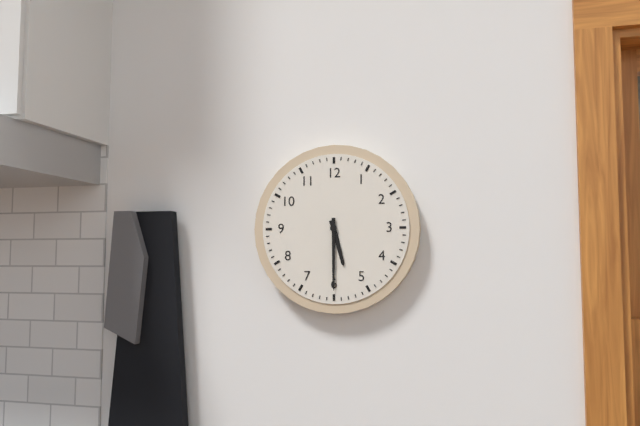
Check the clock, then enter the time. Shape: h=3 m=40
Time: h=5 m=30
